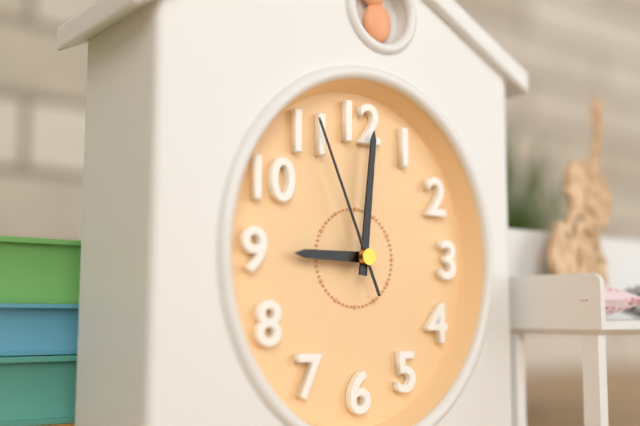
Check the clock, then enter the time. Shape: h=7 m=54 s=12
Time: h=9 m=1 s=56
